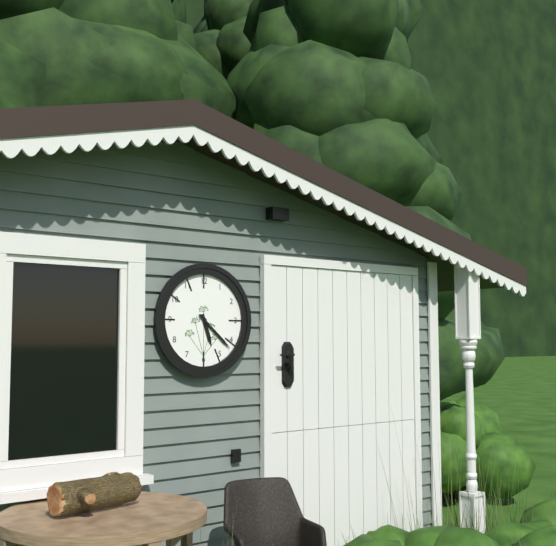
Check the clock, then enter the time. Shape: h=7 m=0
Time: h=5 m=22
